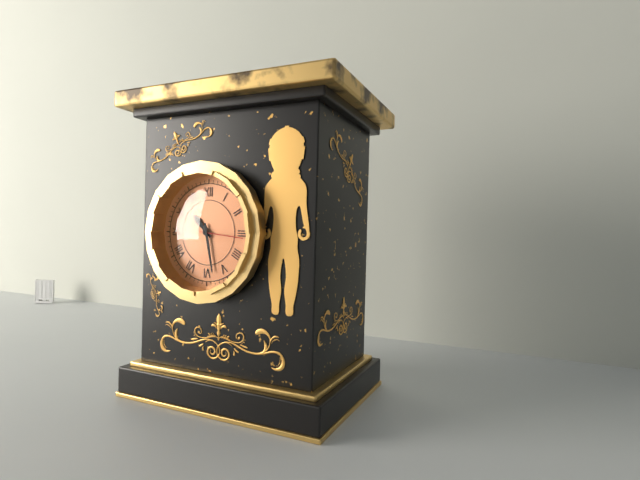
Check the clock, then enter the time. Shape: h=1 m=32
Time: h=10 m=28
